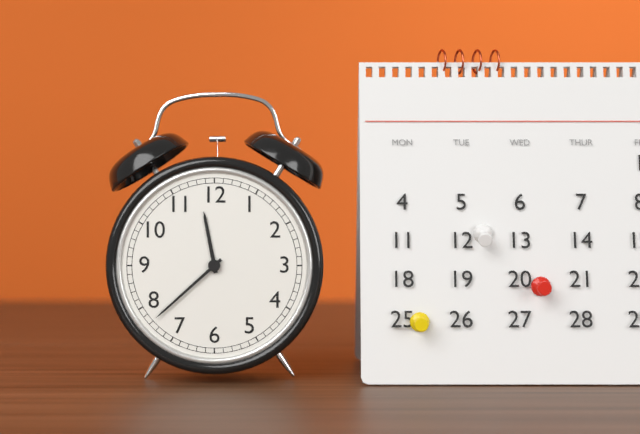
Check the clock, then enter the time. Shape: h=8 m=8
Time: h=11 m=38
